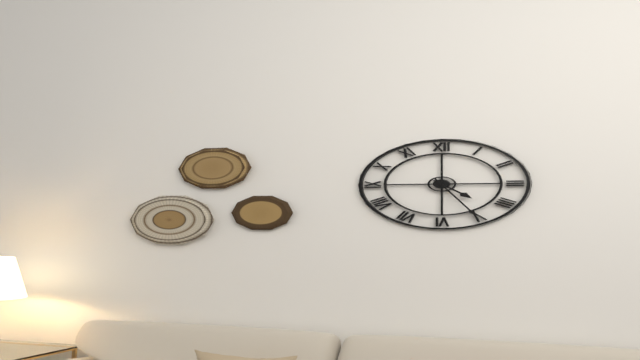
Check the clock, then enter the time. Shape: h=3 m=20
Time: h=4 m=25
